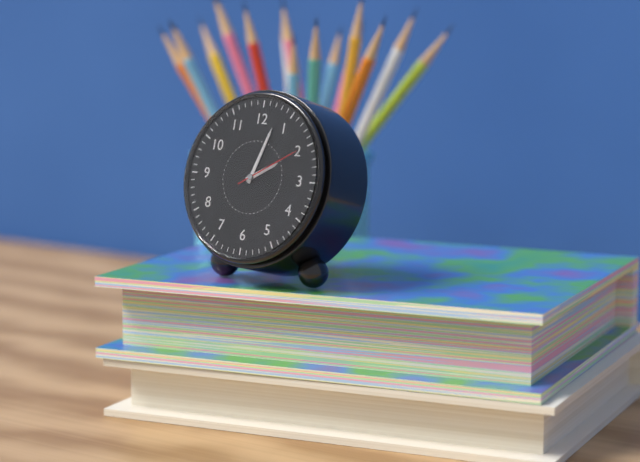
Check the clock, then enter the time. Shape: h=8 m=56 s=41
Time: h=2 m=3 s=10
